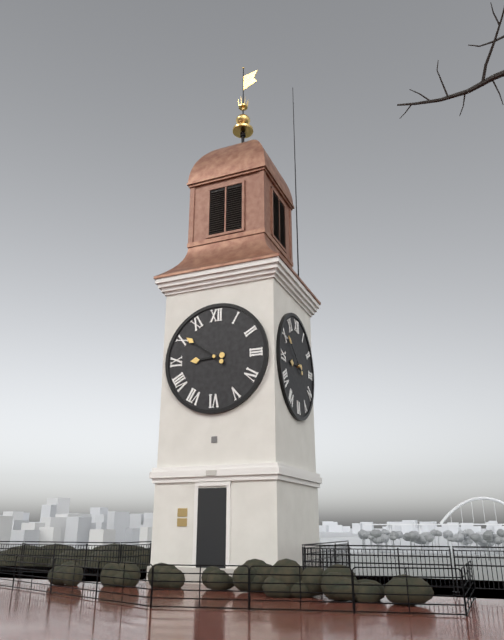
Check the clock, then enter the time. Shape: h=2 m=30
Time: h=8 m=51
